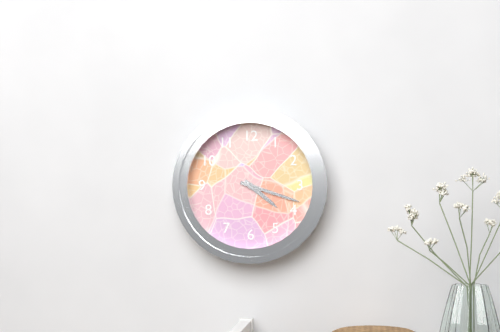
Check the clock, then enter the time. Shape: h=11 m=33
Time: h=4 m=18
